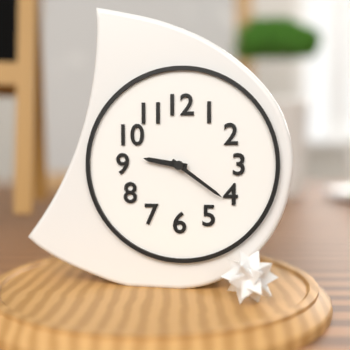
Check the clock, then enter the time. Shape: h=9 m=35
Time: h=9 m=21
